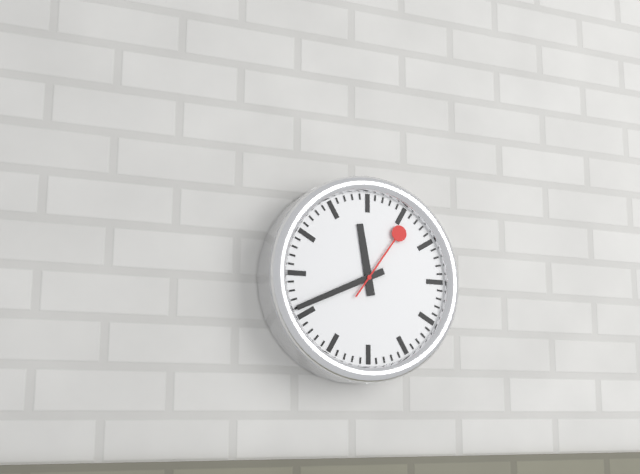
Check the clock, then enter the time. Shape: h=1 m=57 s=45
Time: h=11 m=41 s=6
